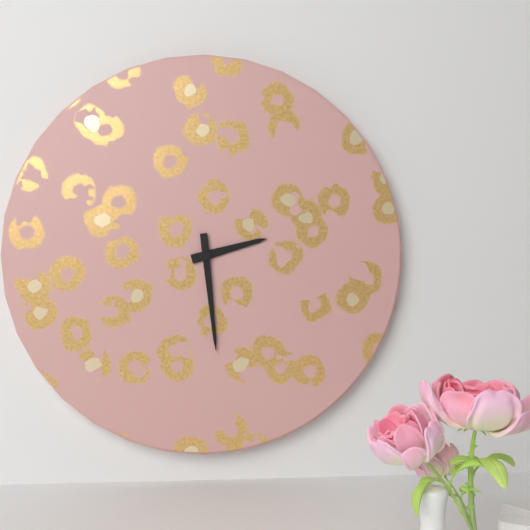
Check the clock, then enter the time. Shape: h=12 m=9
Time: h=2 m=29
